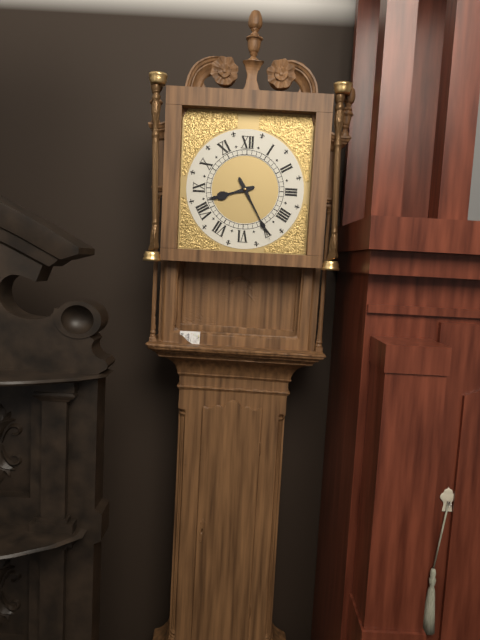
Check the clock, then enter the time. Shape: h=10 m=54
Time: h=8 m=25
